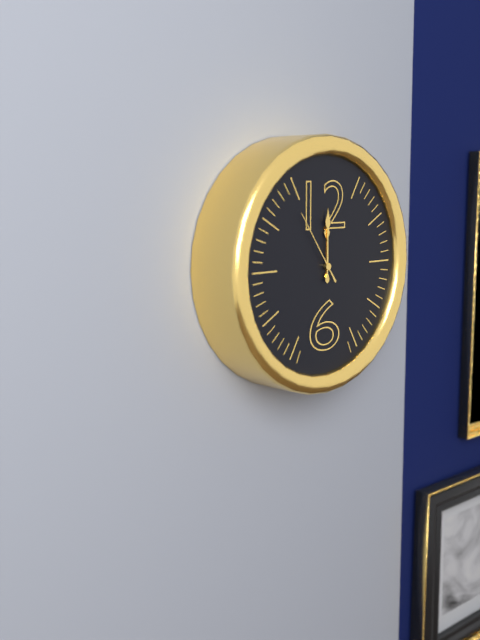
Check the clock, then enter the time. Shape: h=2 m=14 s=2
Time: h=12 m=0 s=54
